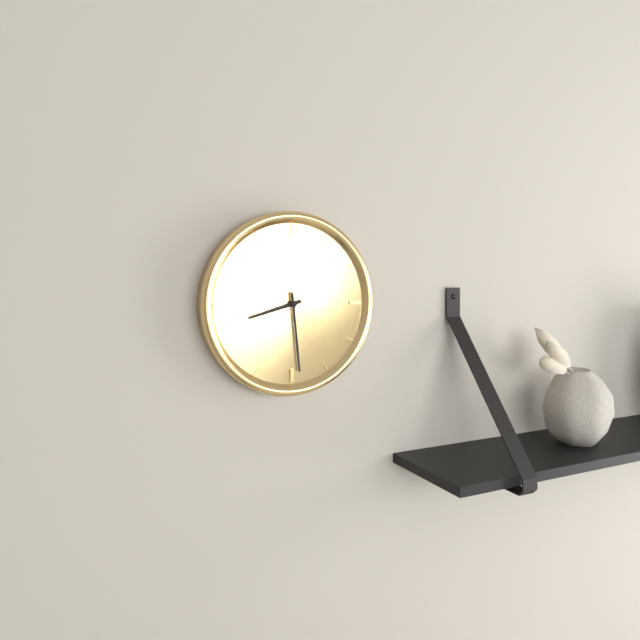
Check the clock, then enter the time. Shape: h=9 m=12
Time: h=8 m=29
